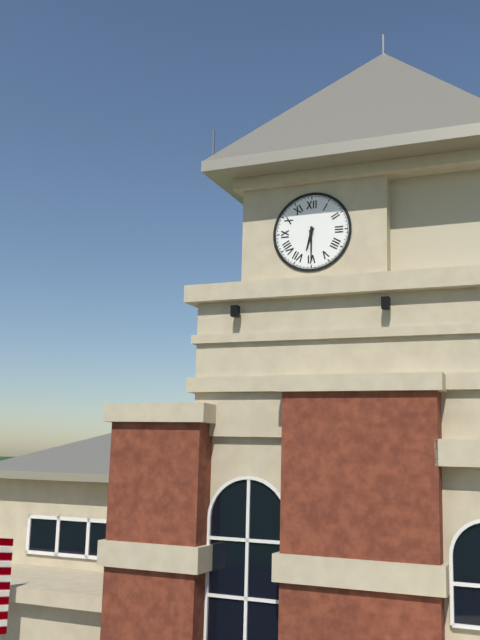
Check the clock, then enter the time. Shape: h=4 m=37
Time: h=6 m=30
